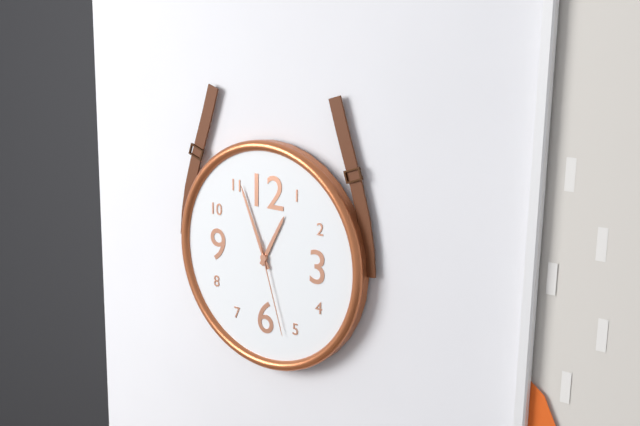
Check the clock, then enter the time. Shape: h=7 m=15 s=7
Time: h=12 m=56 s=27
